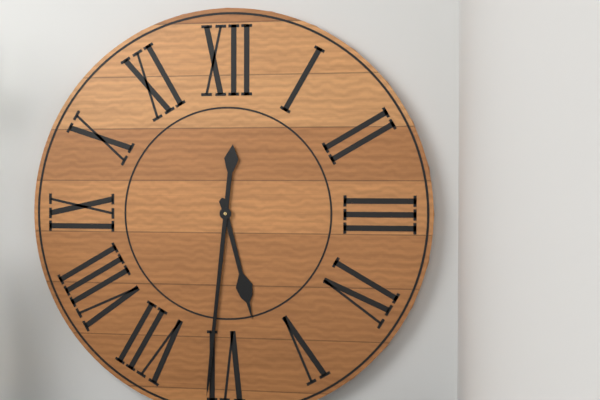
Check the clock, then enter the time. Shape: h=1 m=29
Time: h=5 m=31
